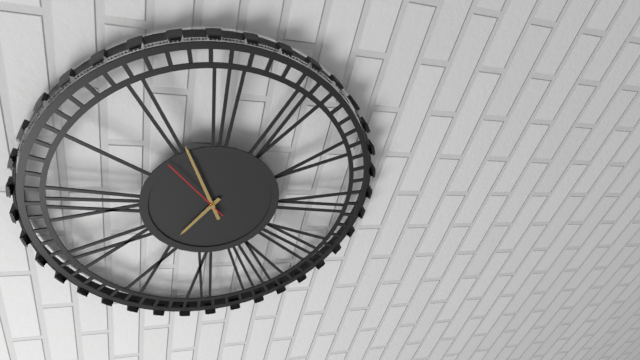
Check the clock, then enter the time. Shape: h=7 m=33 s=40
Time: h=10 m=11 s=8
